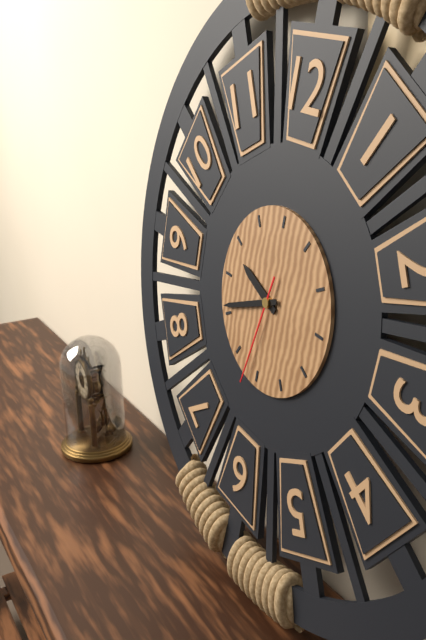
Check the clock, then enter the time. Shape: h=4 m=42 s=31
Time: h=9 m=41 s=32
